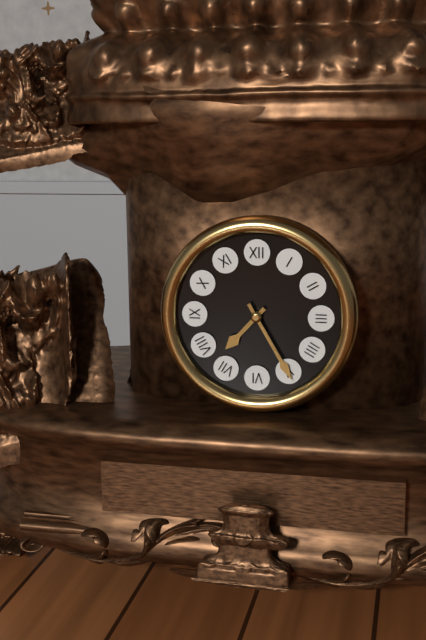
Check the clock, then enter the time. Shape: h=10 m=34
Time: h=7 m=25
